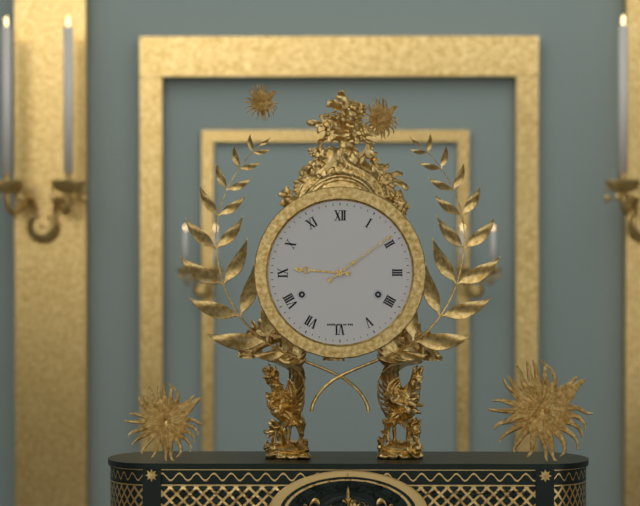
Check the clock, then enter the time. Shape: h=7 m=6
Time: h=9 m=9
